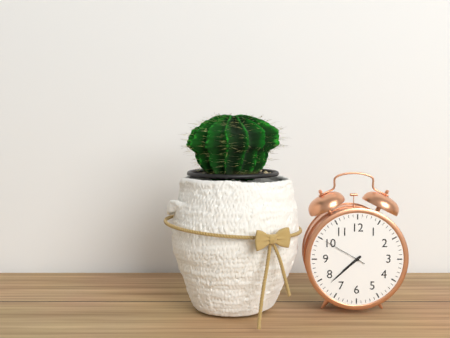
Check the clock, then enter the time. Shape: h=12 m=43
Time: h=7 m=38
